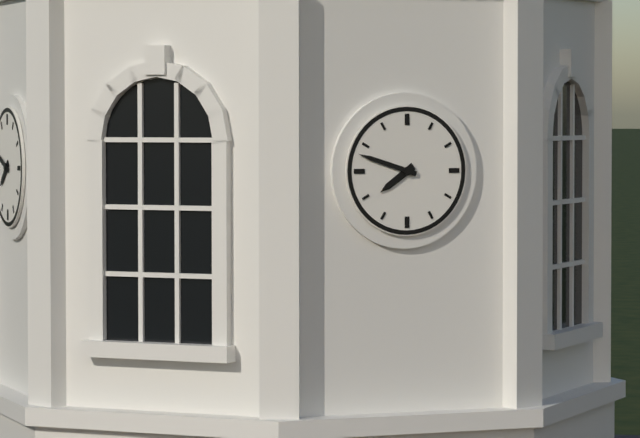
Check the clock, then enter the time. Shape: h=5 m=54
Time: h=7 m=48
